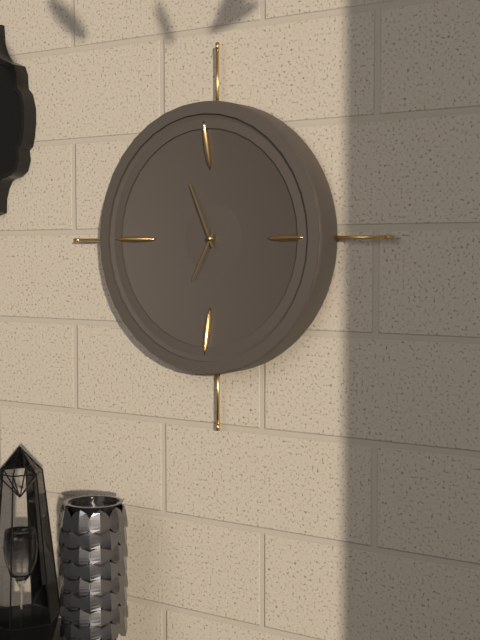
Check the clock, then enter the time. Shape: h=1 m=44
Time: h=6 m=56
